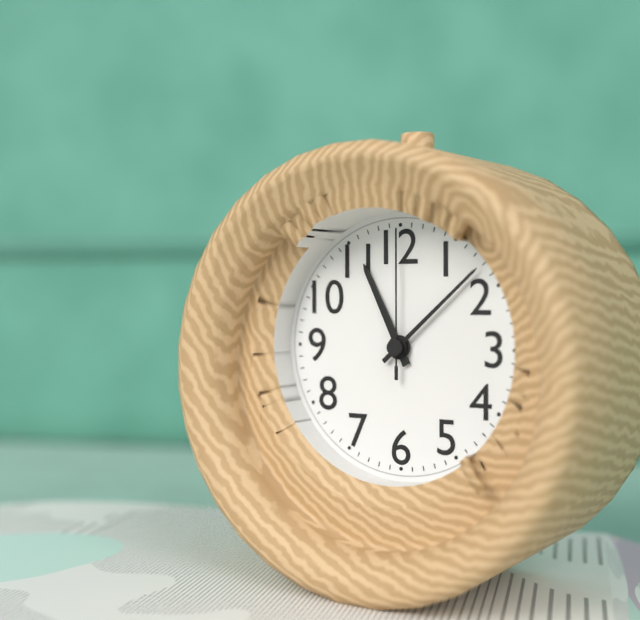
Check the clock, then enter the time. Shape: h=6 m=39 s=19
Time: h=11 m=8 s=0
